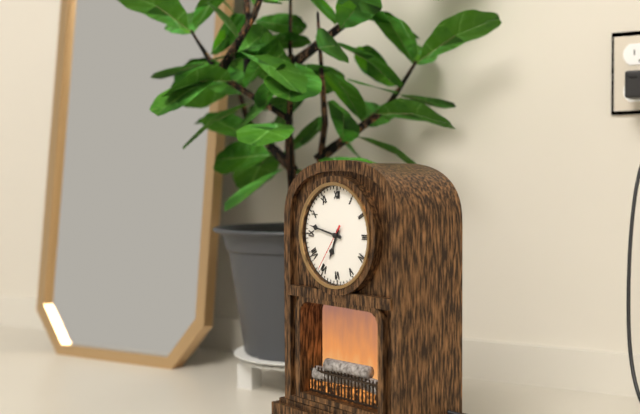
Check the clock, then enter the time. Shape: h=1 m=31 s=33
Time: h=6 m=47 s=36
